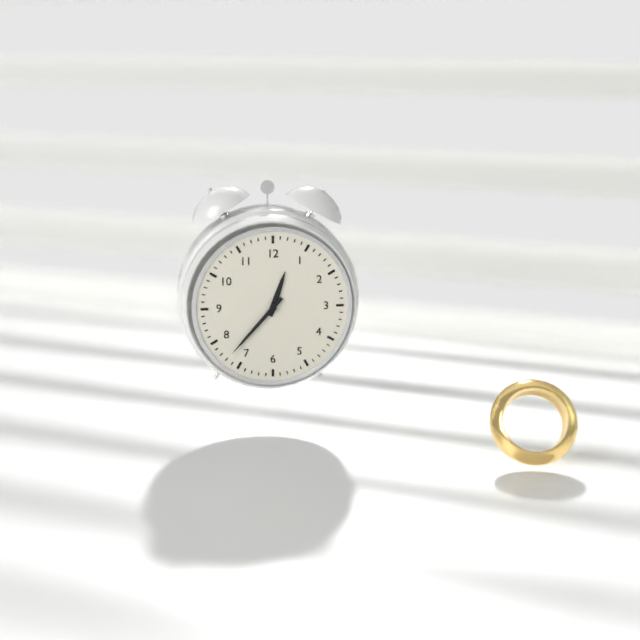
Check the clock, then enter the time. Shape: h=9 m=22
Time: h=12 m=37
